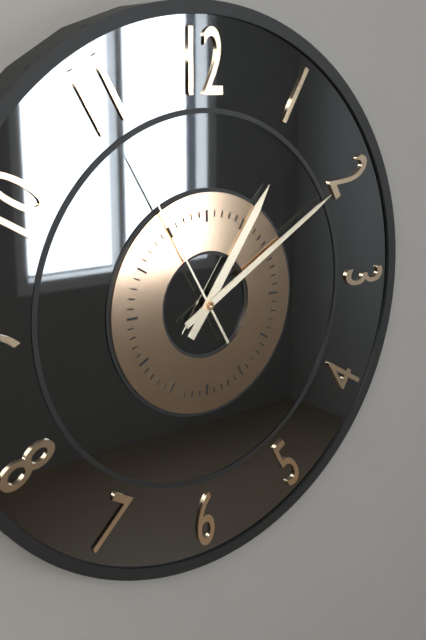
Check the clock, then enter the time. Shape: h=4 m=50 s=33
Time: h=1 m=10 s=55
